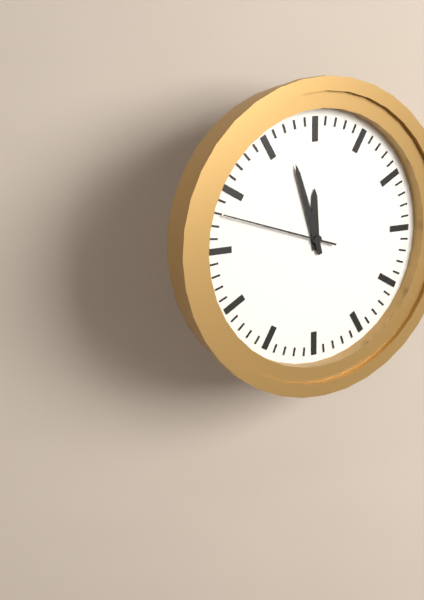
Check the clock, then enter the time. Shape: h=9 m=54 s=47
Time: h=11 m=57 s=48
